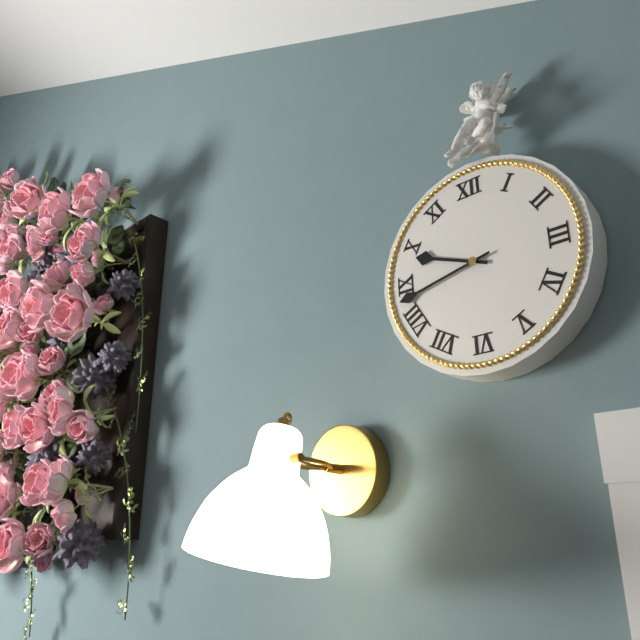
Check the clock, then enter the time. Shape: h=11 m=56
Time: h=9 m=43
